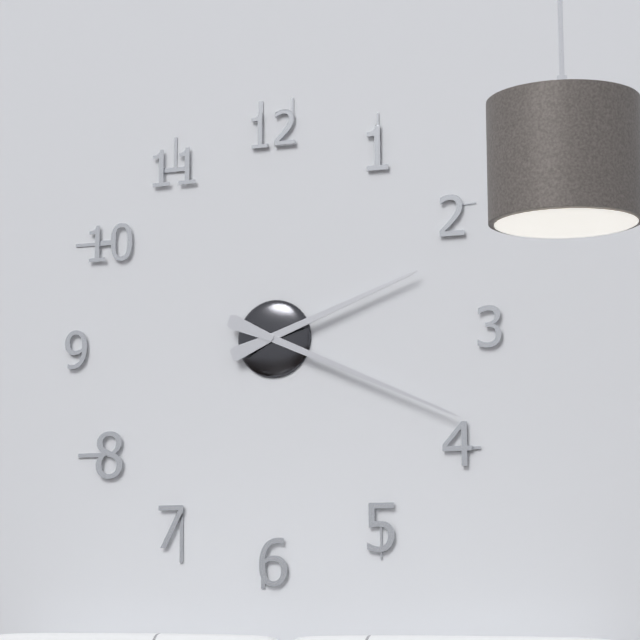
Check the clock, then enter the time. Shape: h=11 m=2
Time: h=2 m=19
